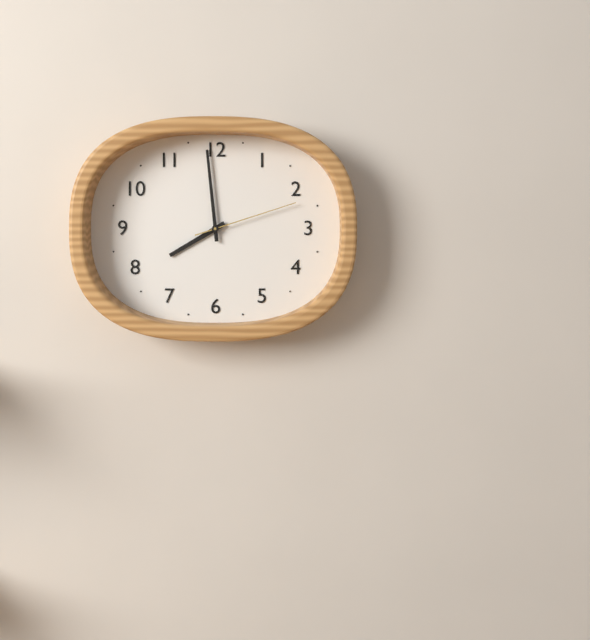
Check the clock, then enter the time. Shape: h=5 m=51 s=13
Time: h=7 m=59 s=12
